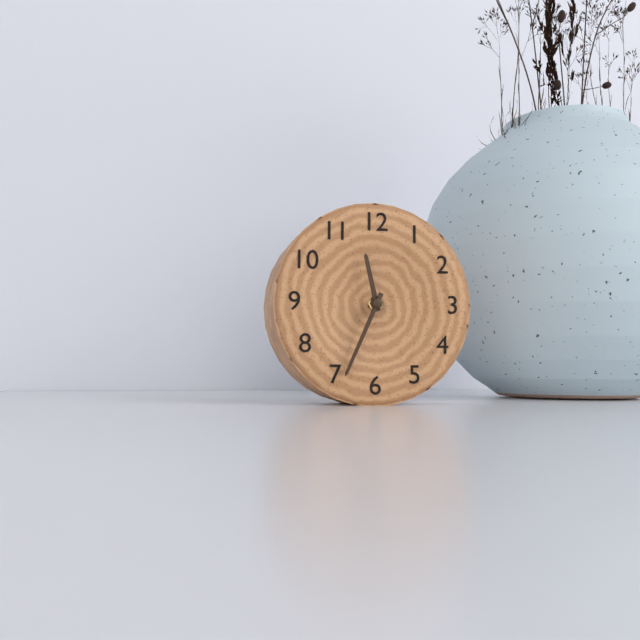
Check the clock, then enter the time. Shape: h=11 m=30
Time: h=11 m=34
